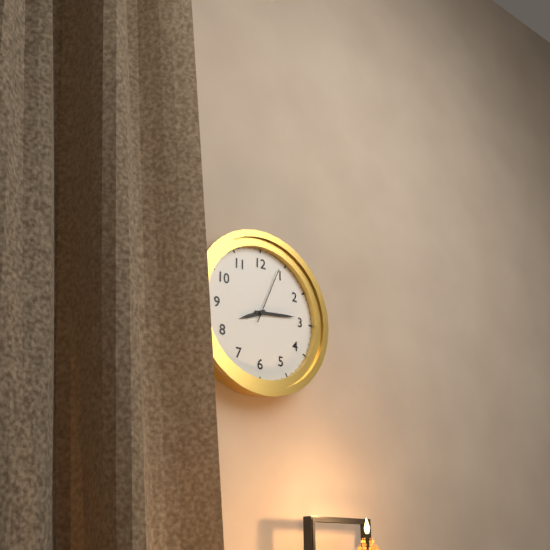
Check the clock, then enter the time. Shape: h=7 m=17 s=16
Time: h=8 m=14 s=4
